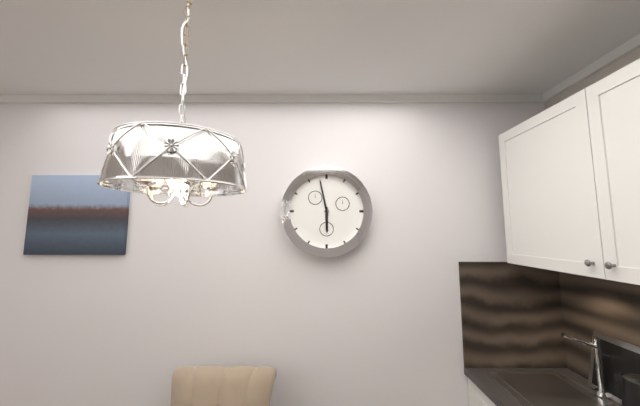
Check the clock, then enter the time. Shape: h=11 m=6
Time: h=5 m=58
